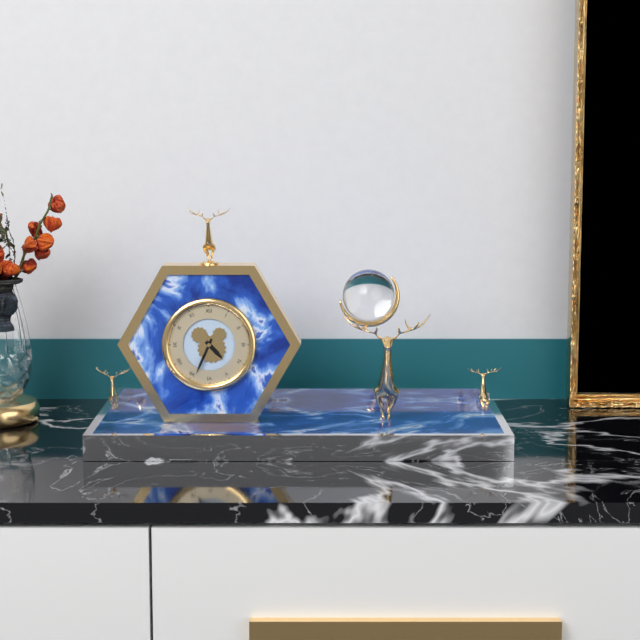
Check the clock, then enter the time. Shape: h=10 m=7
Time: h=4 m=34
